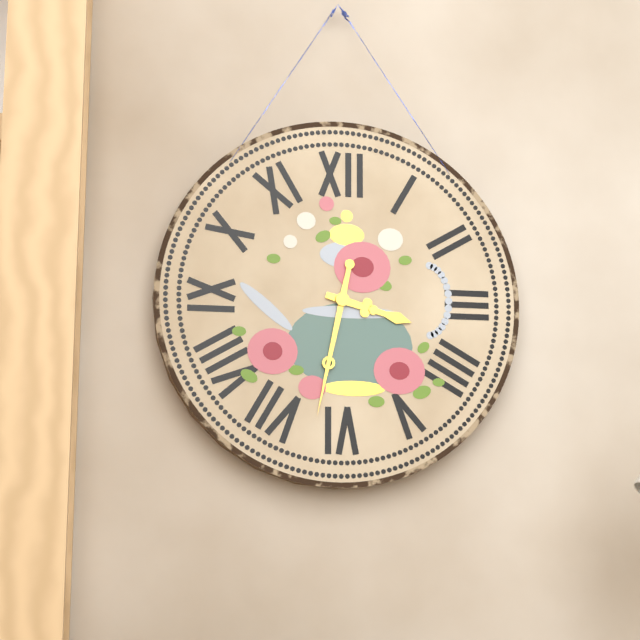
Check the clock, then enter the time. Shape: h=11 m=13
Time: h=3 m=32
